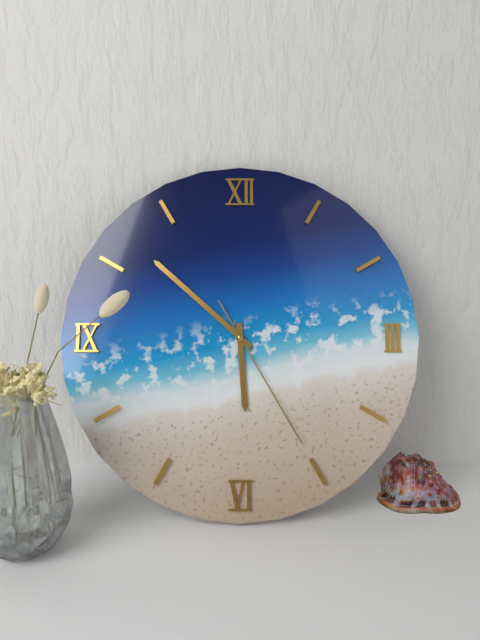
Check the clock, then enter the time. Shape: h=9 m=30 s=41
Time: h=5 m=52 s=25
